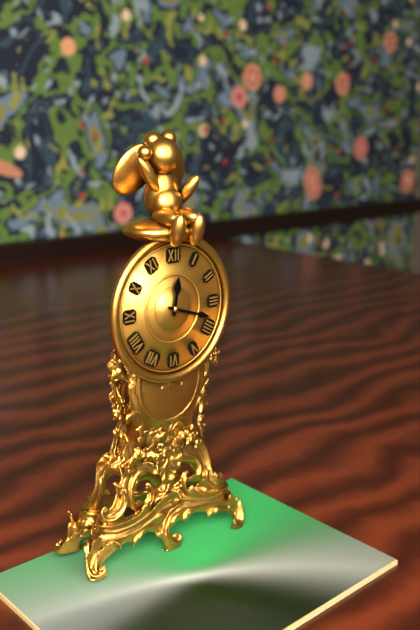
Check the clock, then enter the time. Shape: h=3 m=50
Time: h=12 m=18
